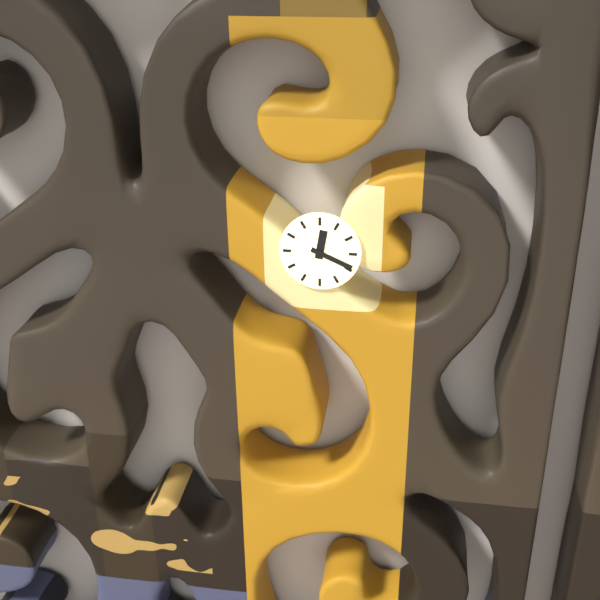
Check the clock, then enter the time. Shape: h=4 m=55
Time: h=12 m=19
